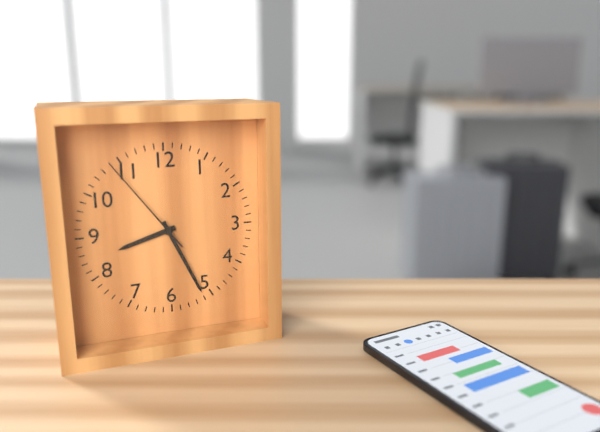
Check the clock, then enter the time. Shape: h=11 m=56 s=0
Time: h=8 m=26 s=54
